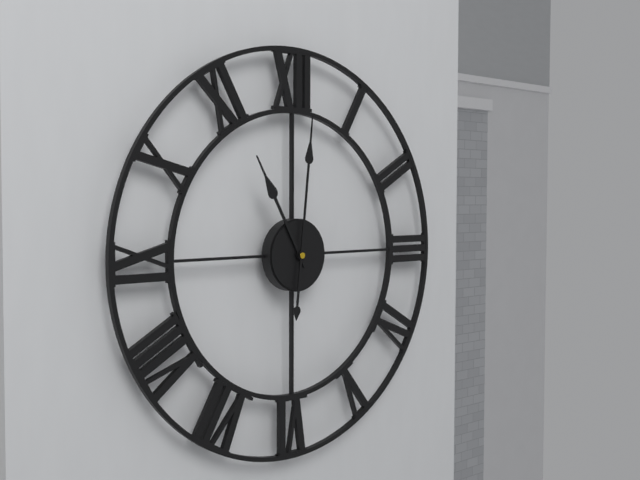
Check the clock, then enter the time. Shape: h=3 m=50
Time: h=11 m=1
